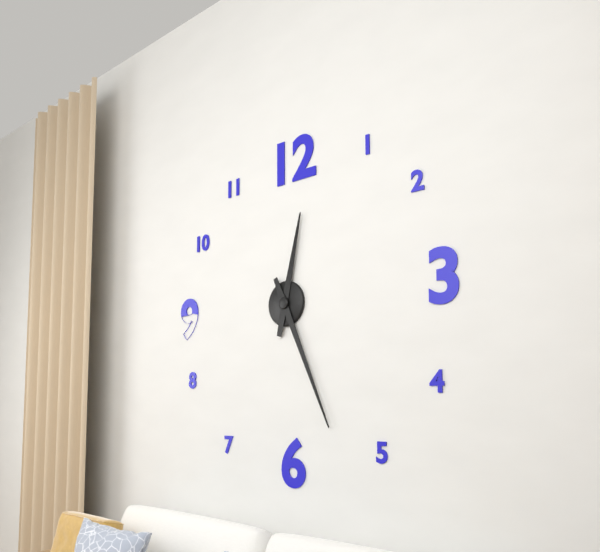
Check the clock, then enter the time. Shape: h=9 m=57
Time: h=12 m=26
